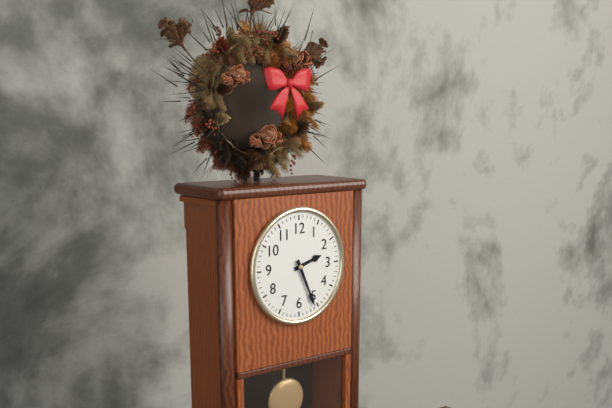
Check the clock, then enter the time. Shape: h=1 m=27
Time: h=2 m=26
